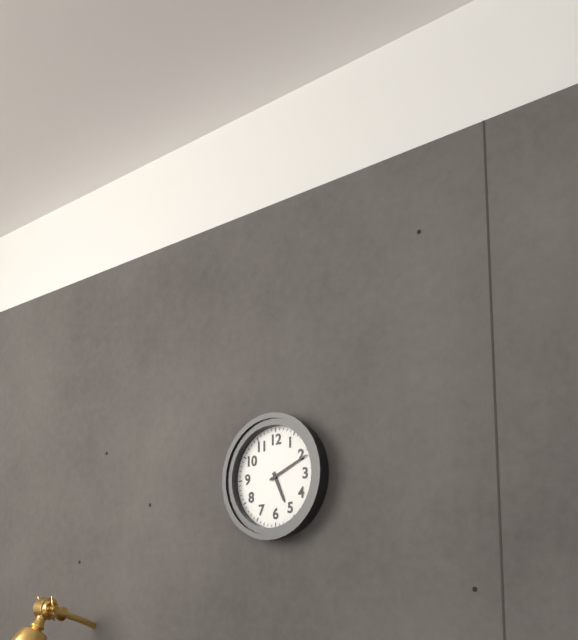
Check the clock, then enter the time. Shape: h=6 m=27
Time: h=5 m=11
